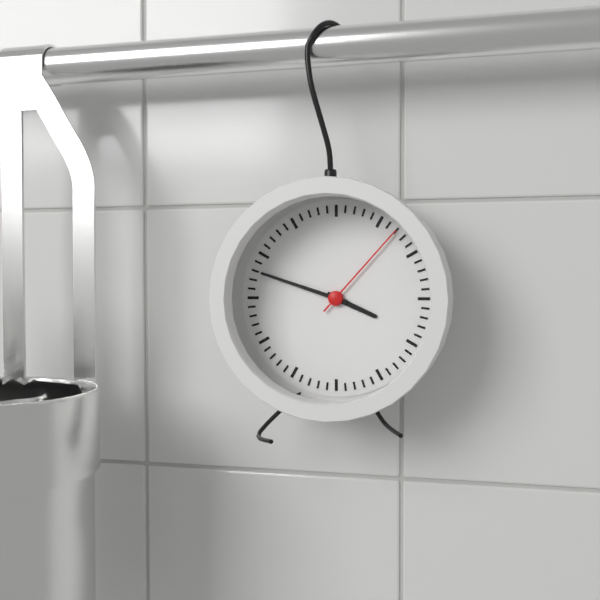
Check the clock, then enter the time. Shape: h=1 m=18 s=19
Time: h=3 m=48 s=7
